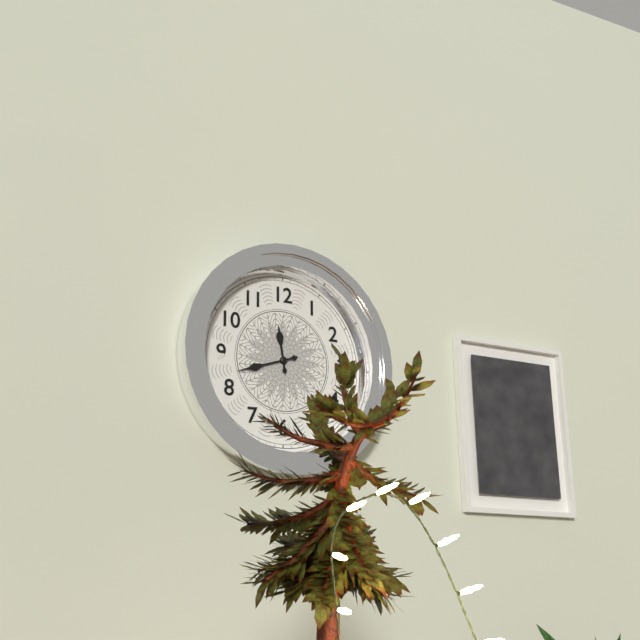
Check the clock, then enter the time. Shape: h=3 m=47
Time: h=11 m=42
